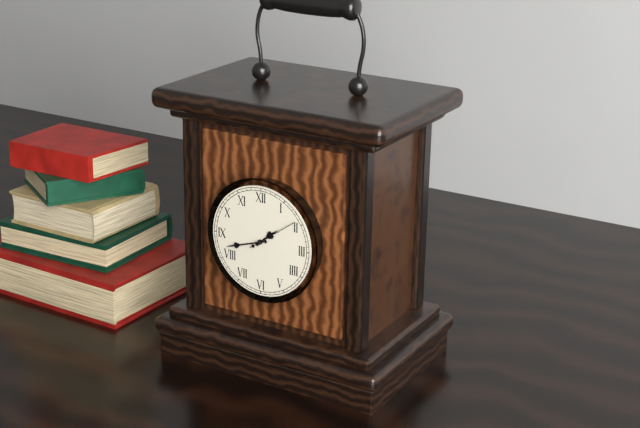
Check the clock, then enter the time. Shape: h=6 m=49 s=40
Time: h=1 m=42 s=9
